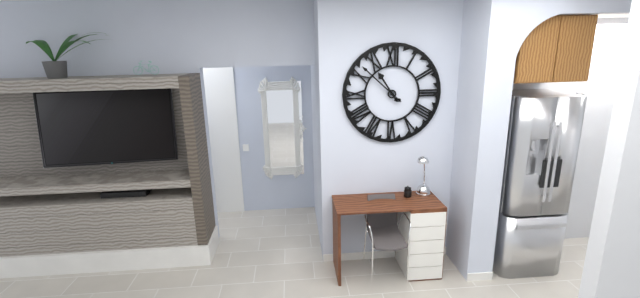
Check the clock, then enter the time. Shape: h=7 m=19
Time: h=10 m=52
